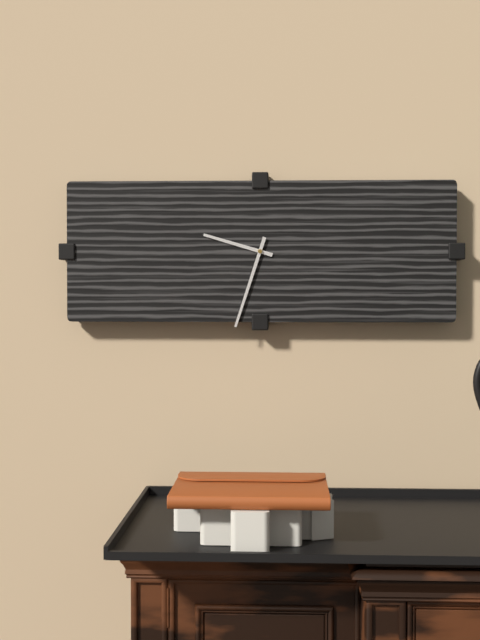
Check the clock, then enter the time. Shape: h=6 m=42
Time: h=9 m=33
